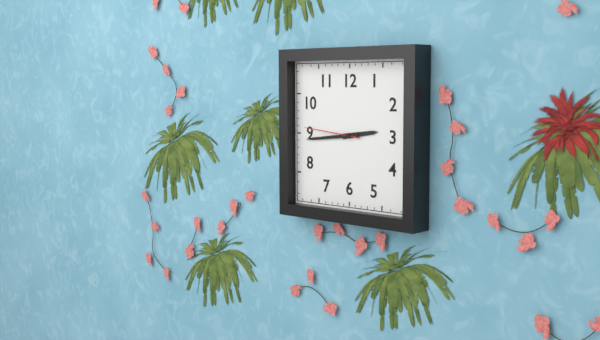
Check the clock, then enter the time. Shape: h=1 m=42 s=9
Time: h=2 m=44 s=46
